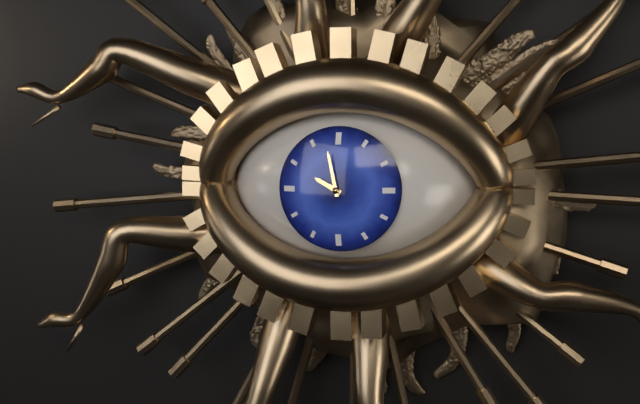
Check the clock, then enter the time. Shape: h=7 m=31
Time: h=9 m=58
